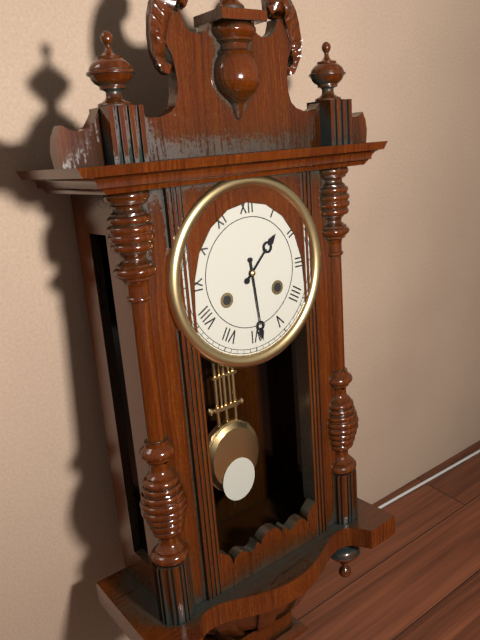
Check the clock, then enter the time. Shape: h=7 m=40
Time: h=1 m=29
